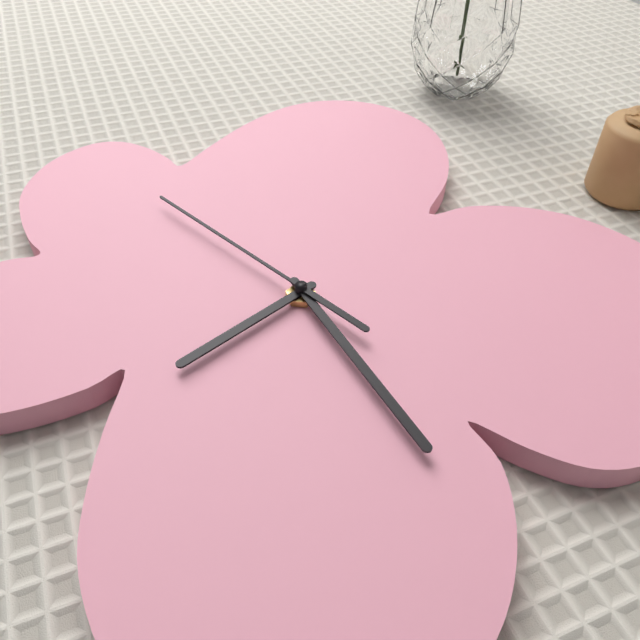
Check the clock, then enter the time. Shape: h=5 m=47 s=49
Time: h=6 m=19 s=46
